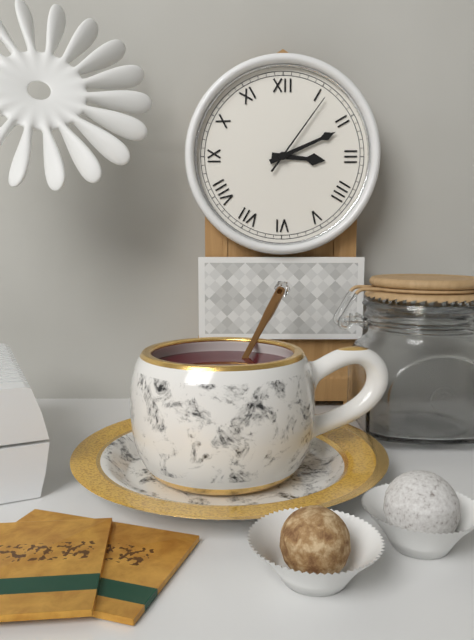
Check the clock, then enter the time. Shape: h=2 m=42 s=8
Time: h=3 m=11 s=6
